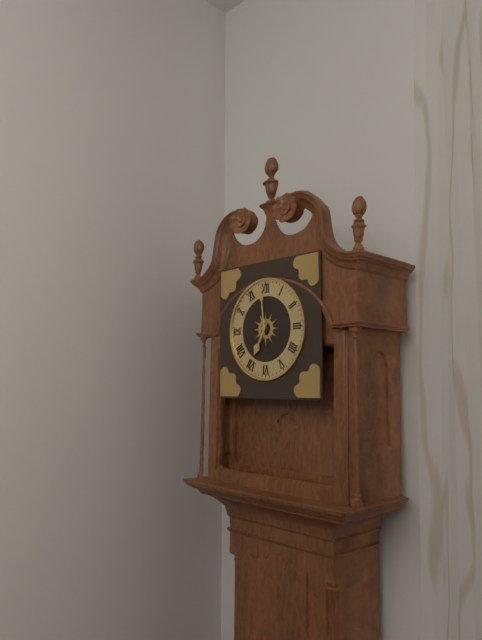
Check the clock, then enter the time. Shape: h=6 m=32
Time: h=6 m=59
